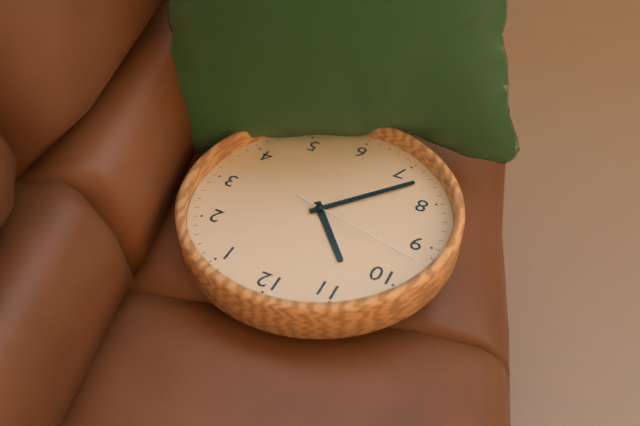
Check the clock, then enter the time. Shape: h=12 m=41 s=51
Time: h=10 m=37 s=47
